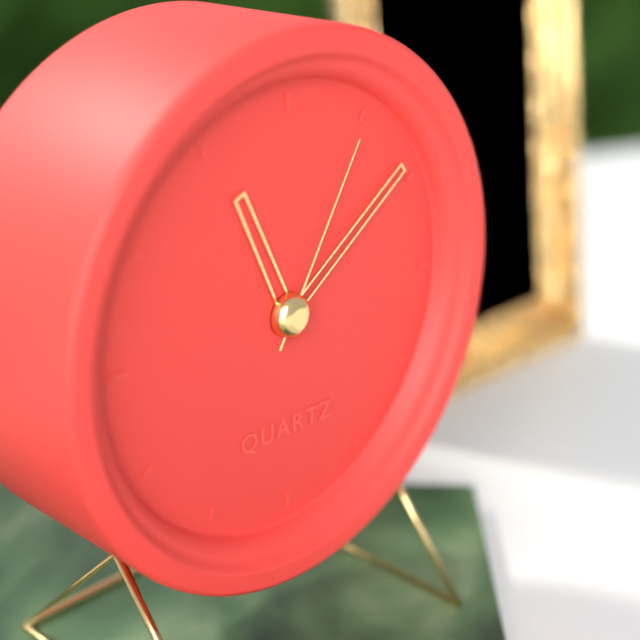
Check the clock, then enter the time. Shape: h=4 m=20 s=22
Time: h=11 m=9 s=5
